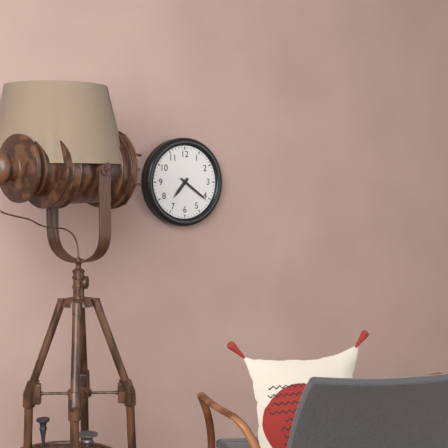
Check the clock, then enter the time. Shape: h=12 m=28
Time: h=7 m=21
